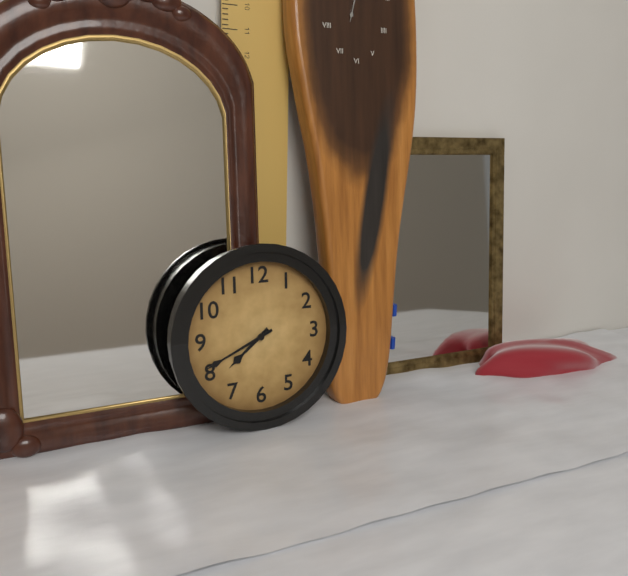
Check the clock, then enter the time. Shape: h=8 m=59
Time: h=7 m=41
